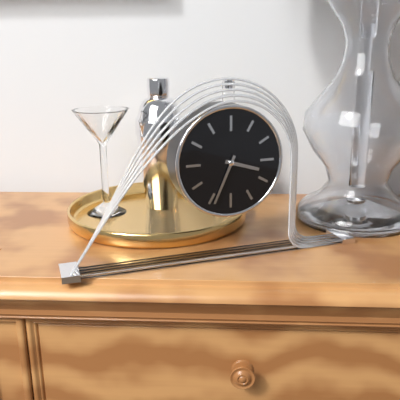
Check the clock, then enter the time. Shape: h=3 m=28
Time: h=3 m=34
